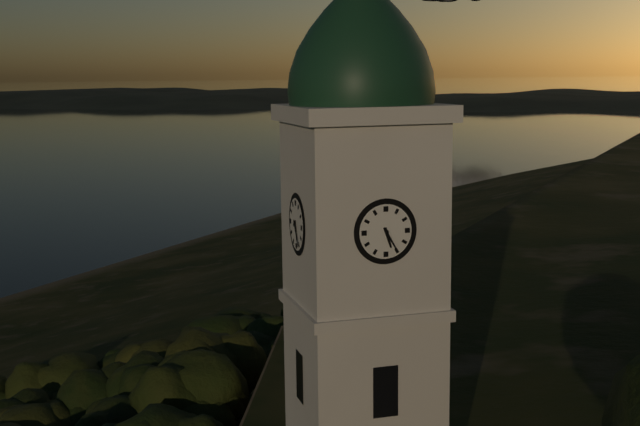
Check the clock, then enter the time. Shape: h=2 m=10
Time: h=5 m=25
